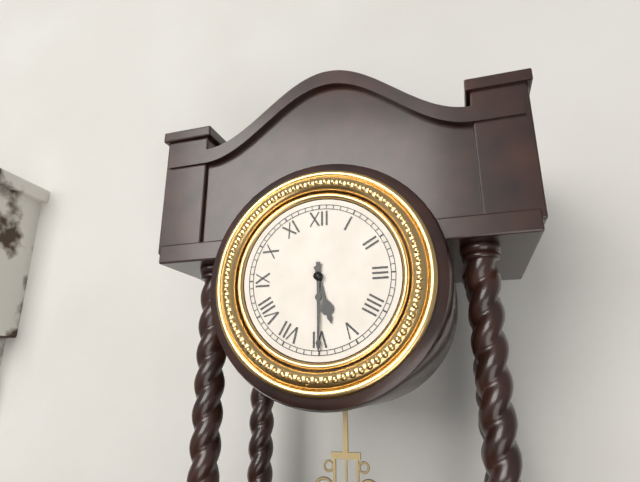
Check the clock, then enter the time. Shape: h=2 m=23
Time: h=5 m=30
